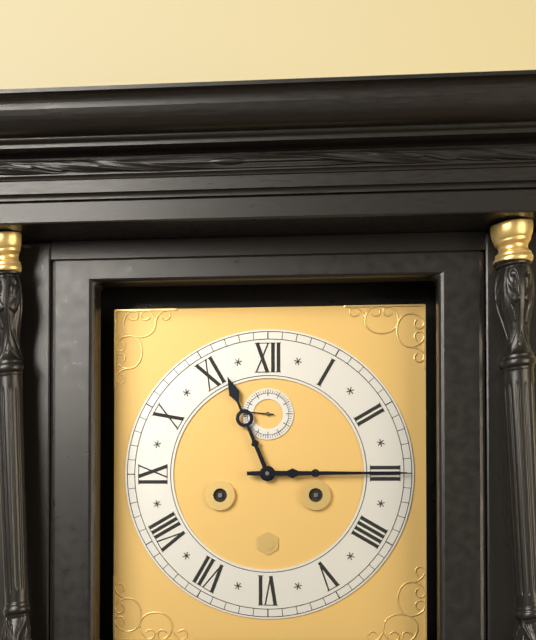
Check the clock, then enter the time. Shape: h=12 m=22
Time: h=11 m=15
